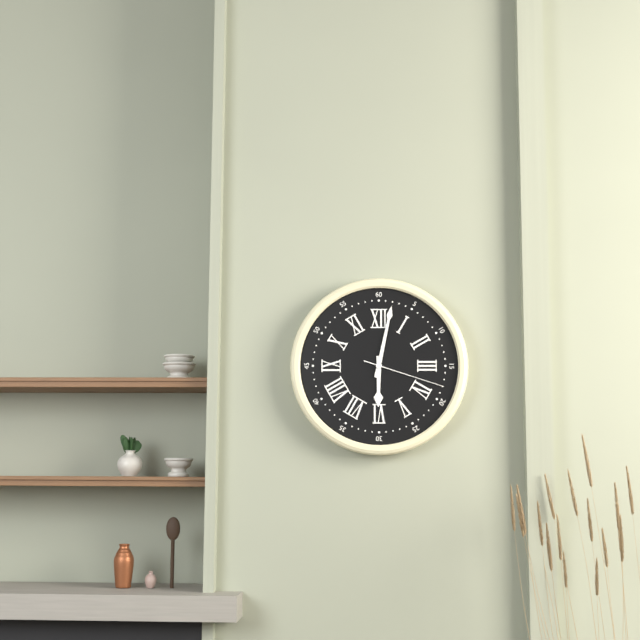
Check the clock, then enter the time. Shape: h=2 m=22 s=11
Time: h=6 m=2 s=18
